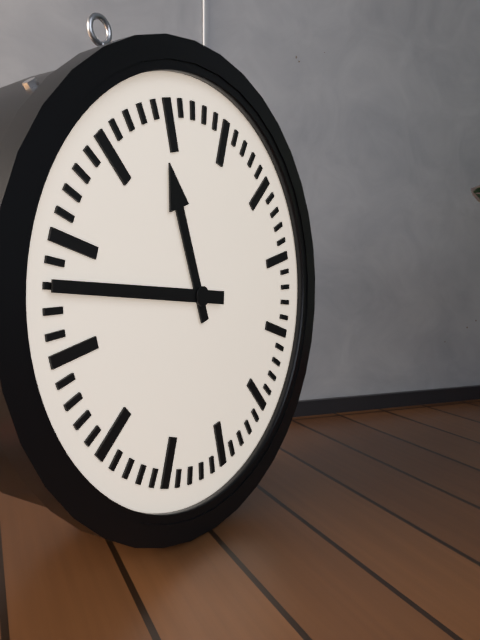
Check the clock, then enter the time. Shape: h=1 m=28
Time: h=11 m=48
